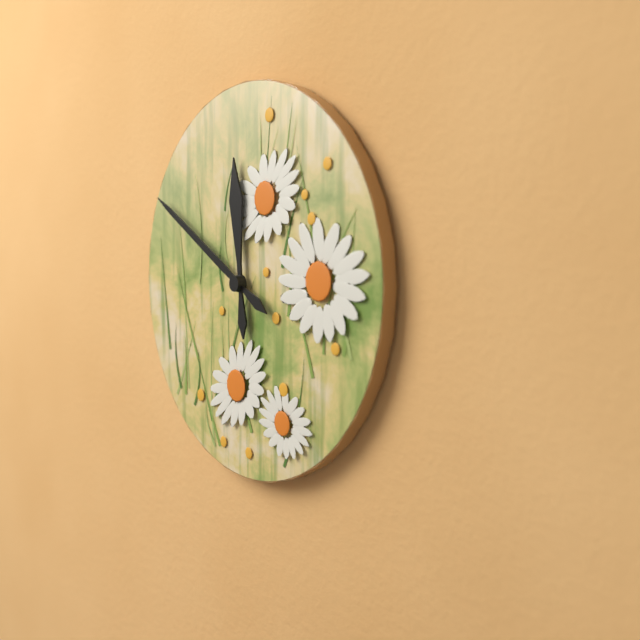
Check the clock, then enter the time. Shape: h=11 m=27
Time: h=11 m=50
